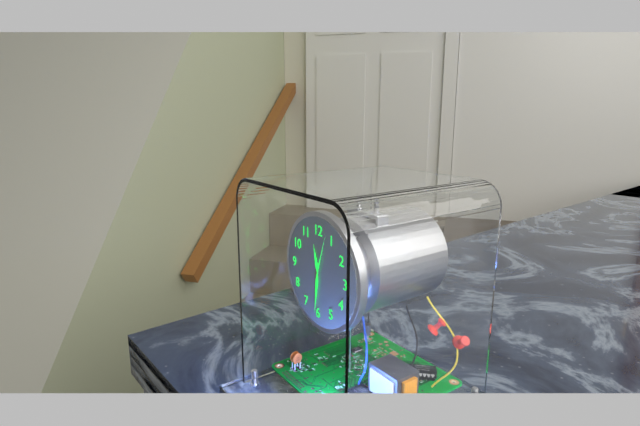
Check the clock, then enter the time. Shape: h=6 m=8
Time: h=11 m=31
